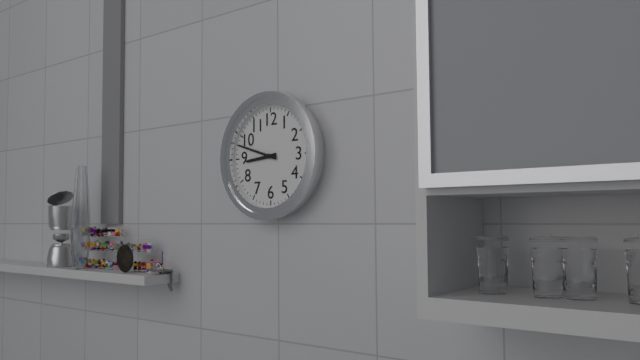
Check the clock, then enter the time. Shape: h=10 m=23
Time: h=8 m=48
